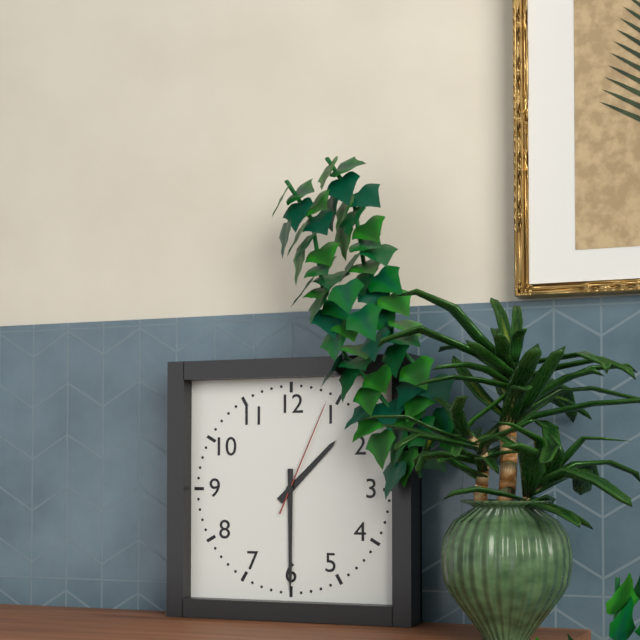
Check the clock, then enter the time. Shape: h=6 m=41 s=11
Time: h=1 m=30 s=4
